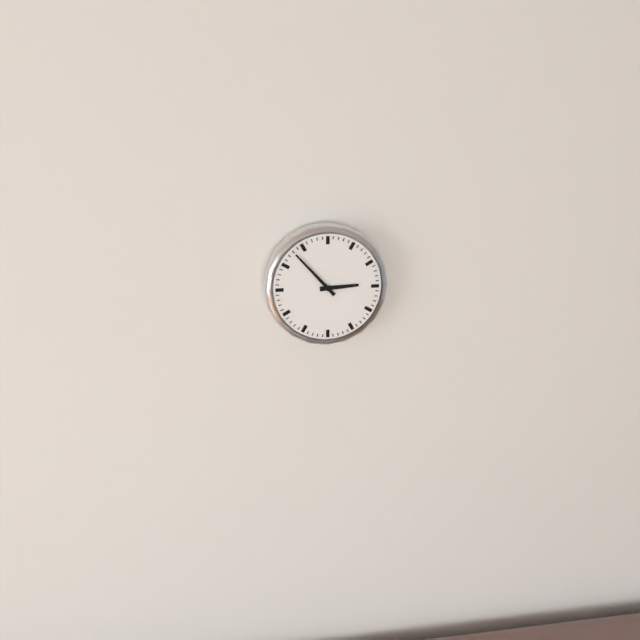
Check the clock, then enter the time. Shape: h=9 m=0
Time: h=2 m=53
